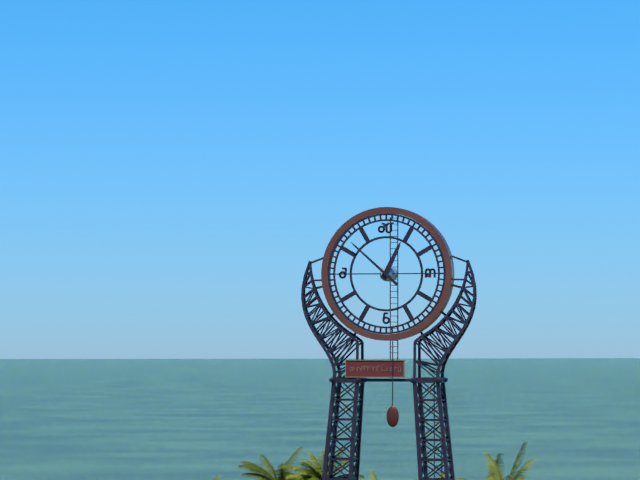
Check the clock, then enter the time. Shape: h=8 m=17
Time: h=12 m=52
